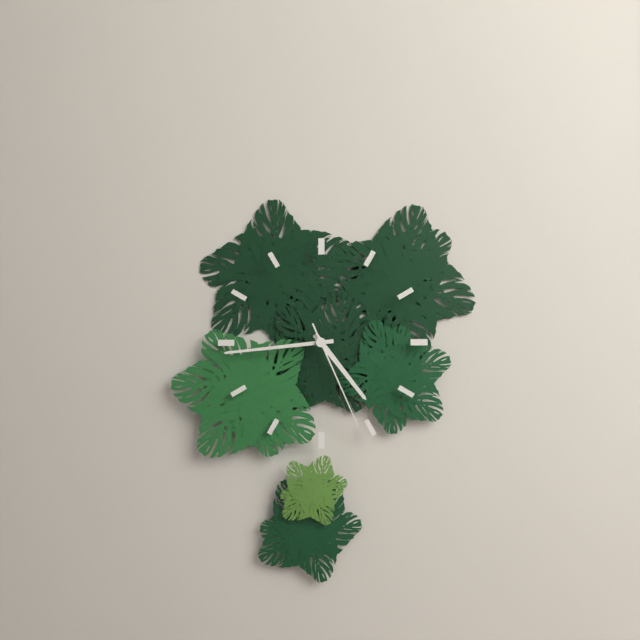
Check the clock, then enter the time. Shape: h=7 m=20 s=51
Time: h=4 m=44 s=26
